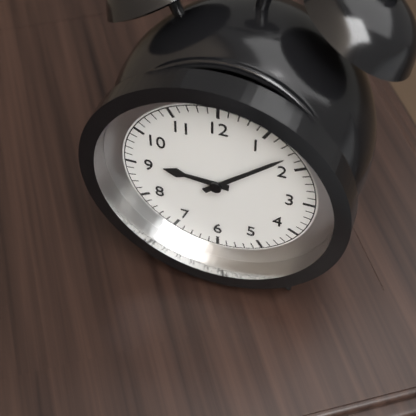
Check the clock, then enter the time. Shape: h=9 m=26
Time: h=9 m=8
